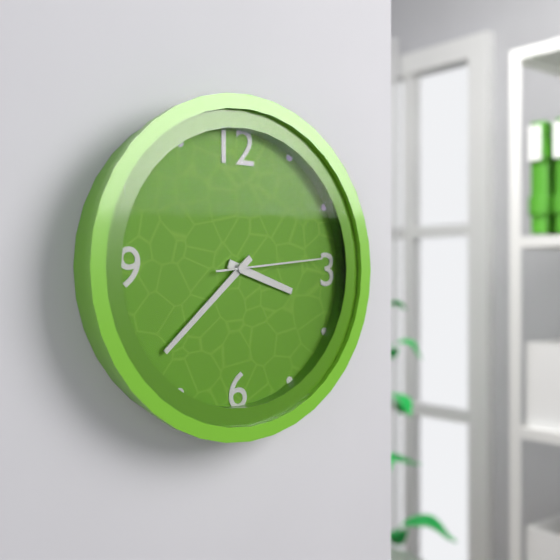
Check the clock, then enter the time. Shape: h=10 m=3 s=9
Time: h=3 m=38 s=14
